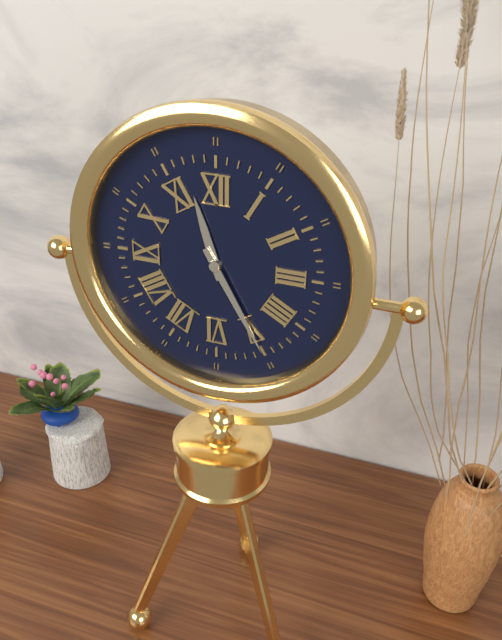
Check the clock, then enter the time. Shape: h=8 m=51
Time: h=11 m=25
